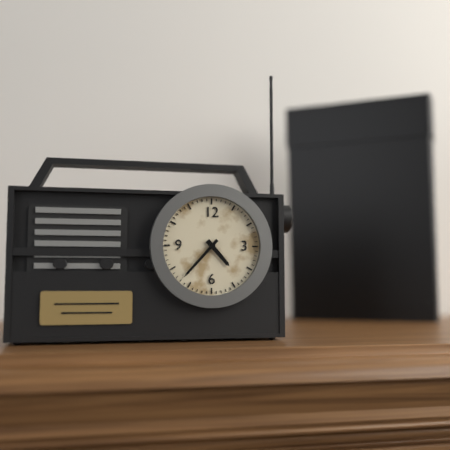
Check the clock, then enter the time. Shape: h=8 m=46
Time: h=4 m=37
